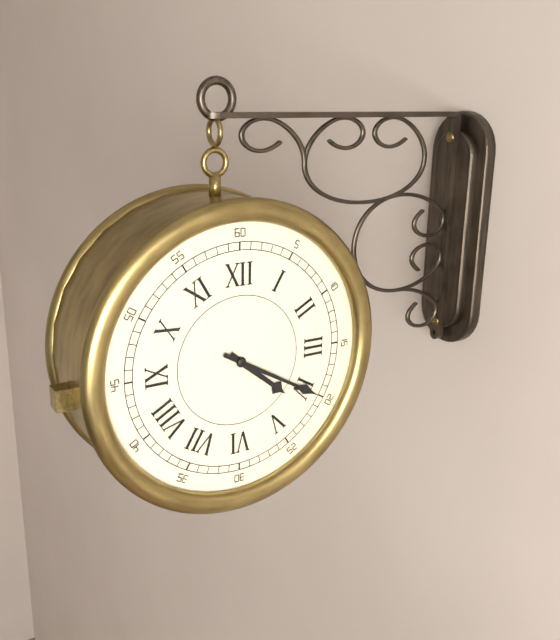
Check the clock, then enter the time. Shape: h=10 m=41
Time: h=4 m=20
